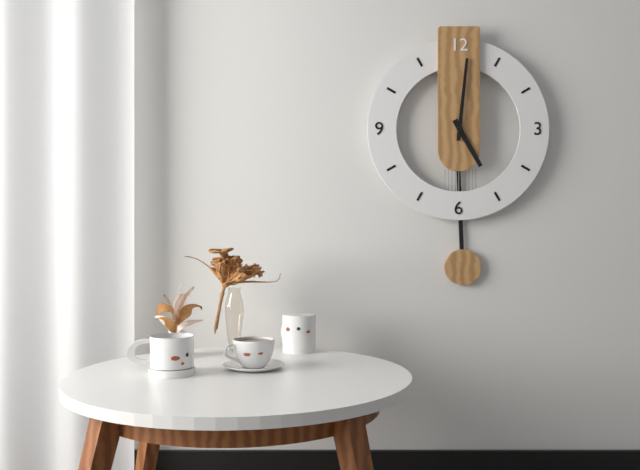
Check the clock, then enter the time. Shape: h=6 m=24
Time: h=5 m=1
